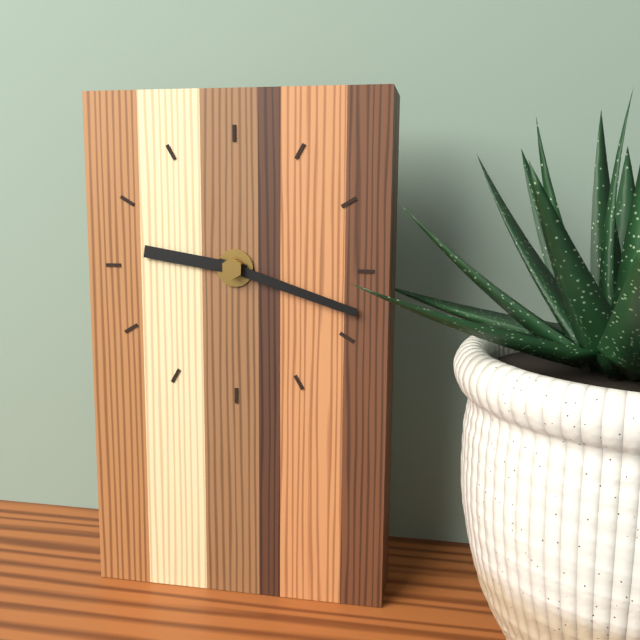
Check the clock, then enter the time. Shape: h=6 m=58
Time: h=9 m=18
